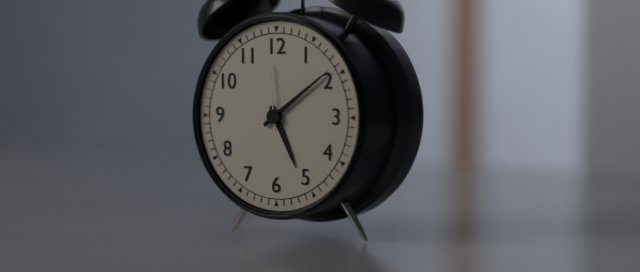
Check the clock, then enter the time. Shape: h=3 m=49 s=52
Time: h=5 m=9 s=59
